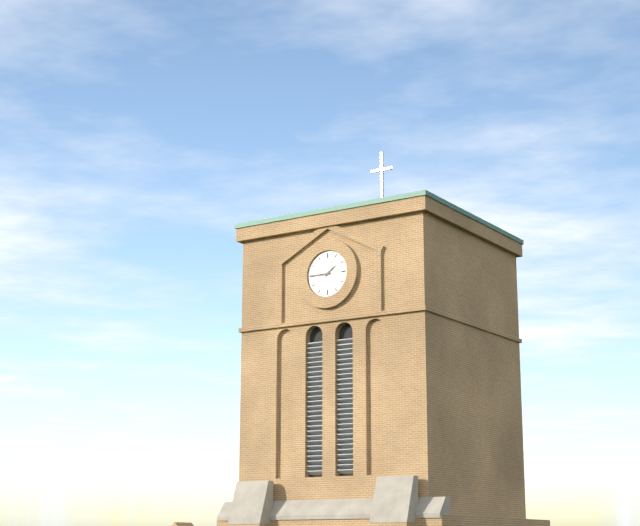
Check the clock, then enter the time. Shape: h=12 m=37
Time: h=1 m=45
